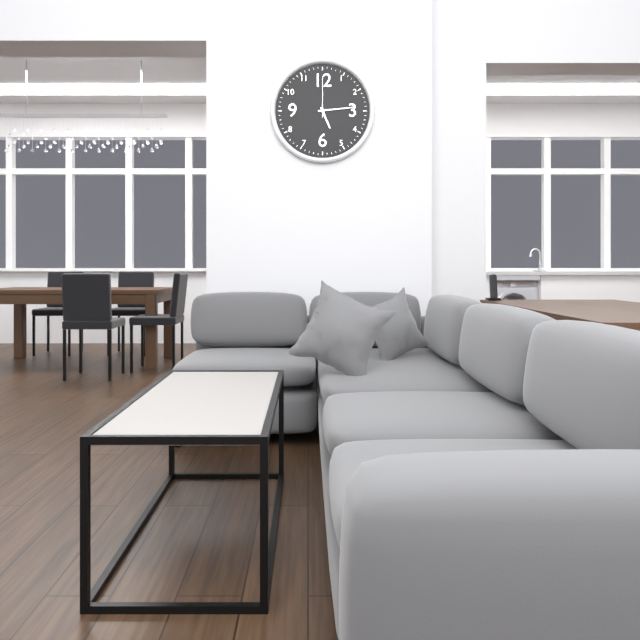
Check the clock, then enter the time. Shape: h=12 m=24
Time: h=5 m=14
